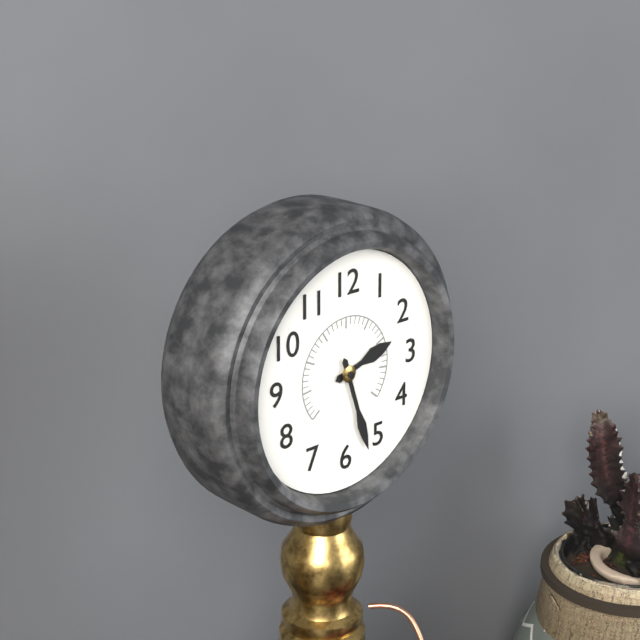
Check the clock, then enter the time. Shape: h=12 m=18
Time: h=2 m=27
